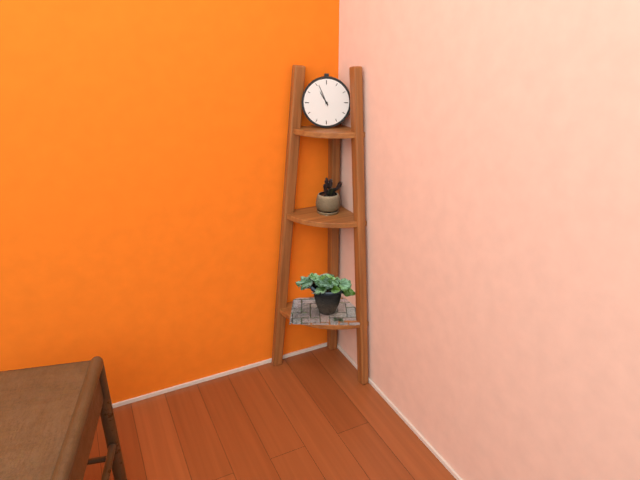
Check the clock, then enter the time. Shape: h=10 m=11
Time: h=10 m=56
